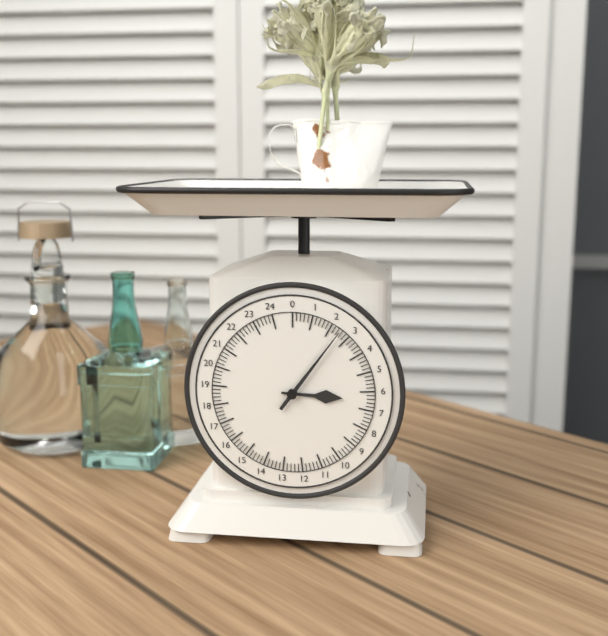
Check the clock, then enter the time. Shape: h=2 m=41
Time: h=3 m=6
